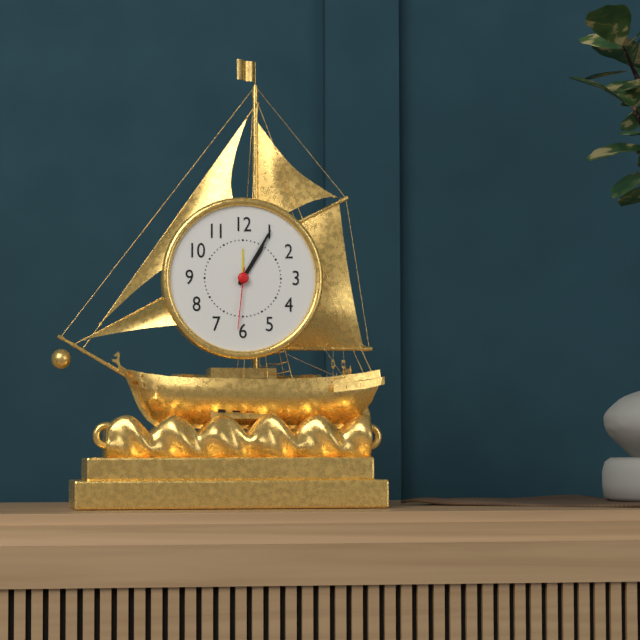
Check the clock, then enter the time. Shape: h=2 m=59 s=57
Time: h=1 m=5 s=31
